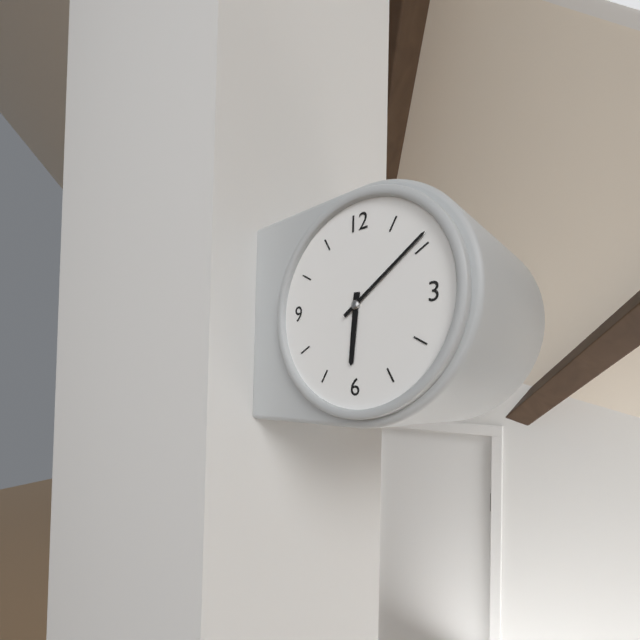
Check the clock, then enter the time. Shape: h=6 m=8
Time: h=6 m=9
